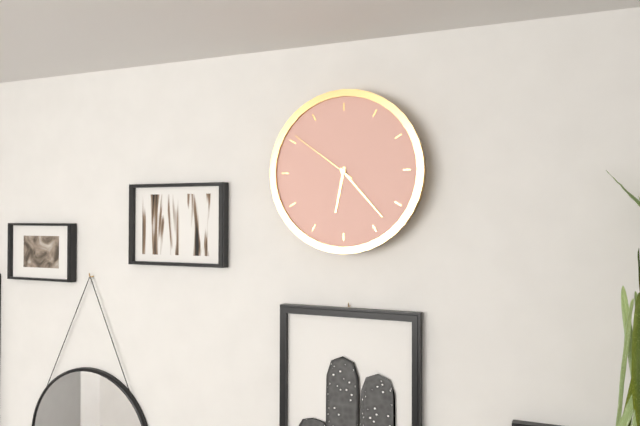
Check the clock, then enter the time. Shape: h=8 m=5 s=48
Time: h=6 m=23 s=51
